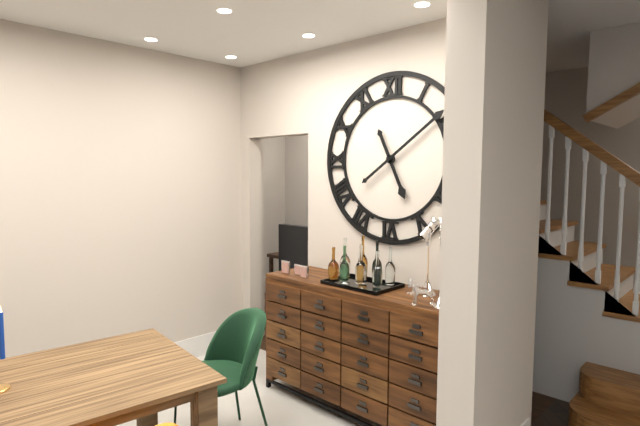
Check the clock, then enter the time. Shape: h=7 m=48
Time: h=5 m=9
